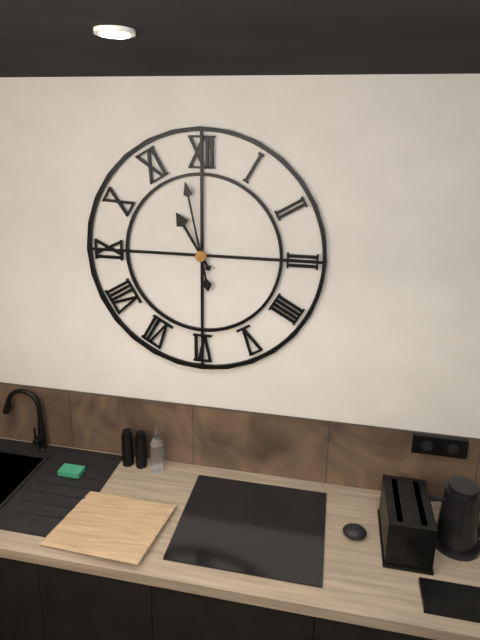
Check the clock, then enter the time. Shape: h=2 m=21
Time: h=10 m=58
